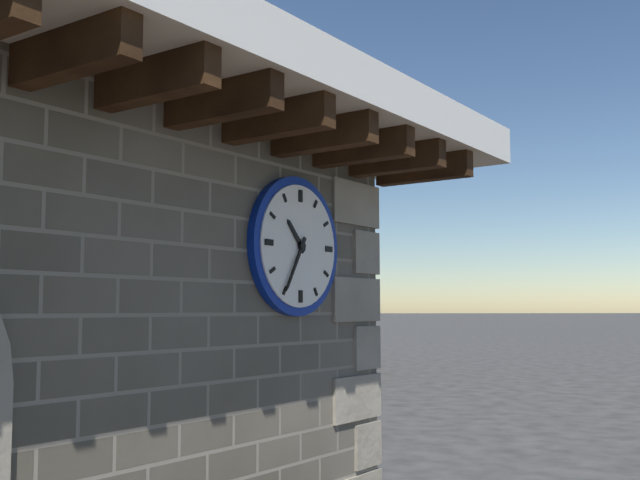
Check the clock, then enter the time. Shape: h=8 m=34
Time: h=10 m=35
